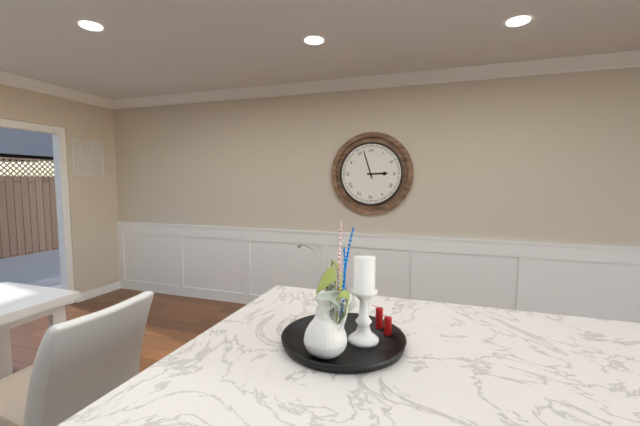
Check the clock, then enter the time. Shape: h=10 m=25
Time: h=2 m=57
